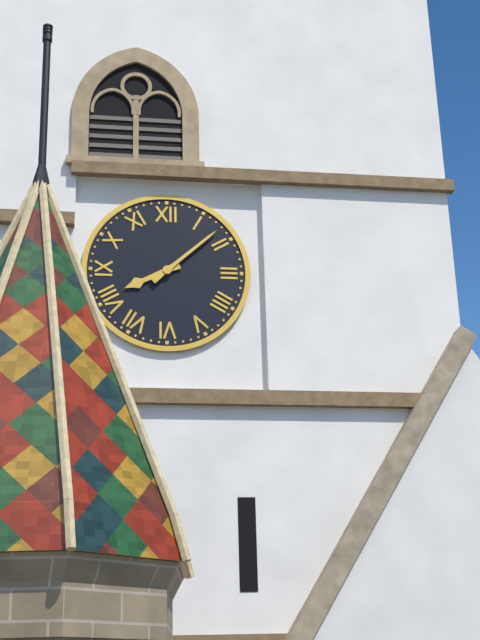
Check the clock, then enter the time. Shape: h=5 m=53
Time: h=8 m=8
